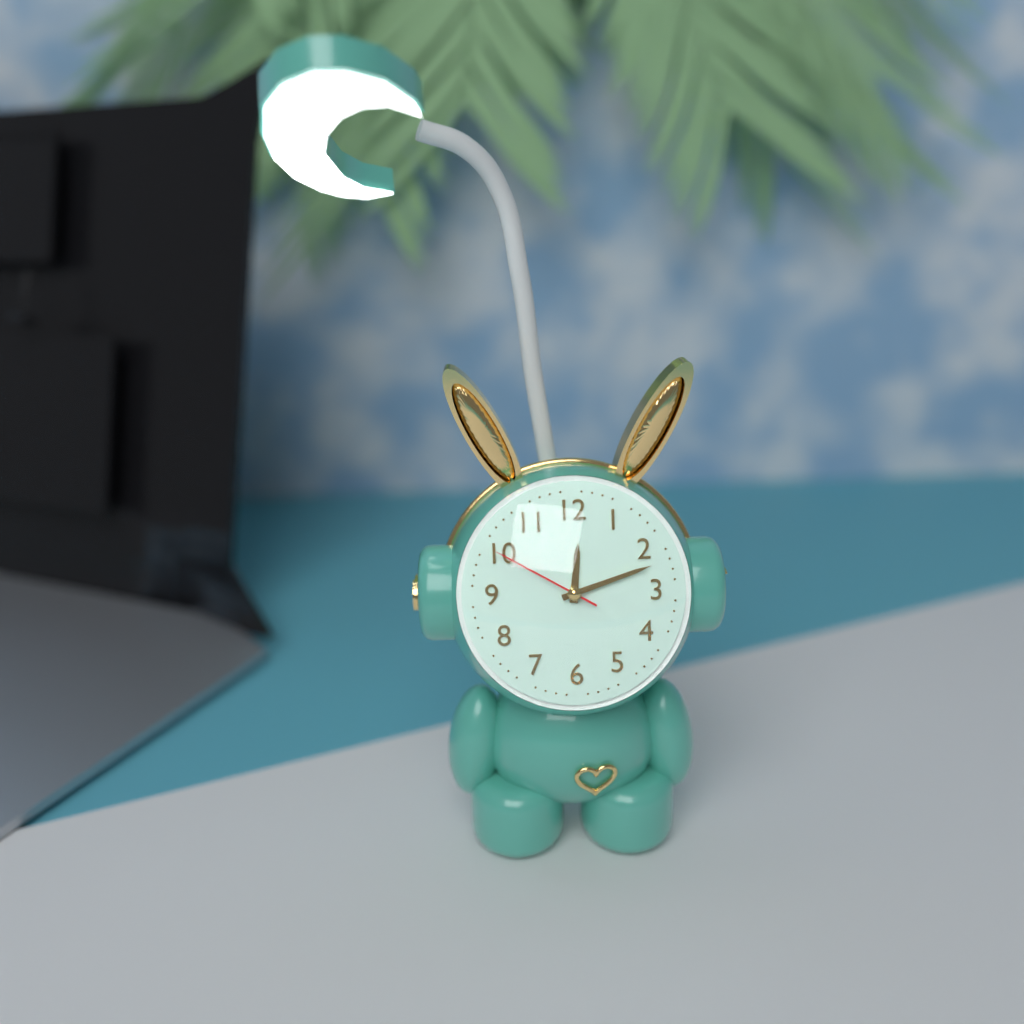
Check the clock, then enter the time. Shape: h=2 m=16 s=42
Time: h=12 m=12 s=50
